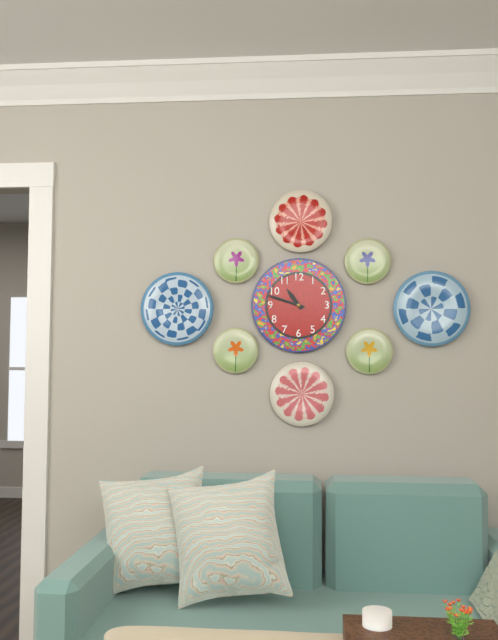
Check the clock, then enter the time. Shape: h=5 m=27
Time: h=10 m=48
